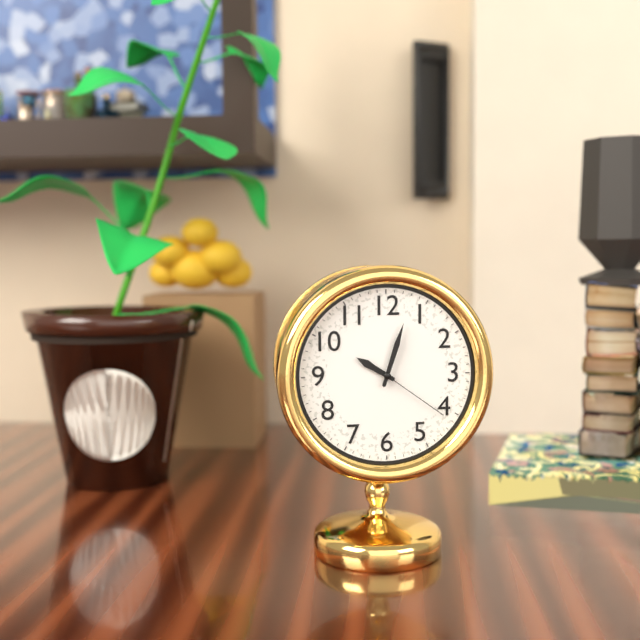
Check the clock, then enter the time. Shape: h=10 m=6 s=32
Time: h=10 m=3 s=21
